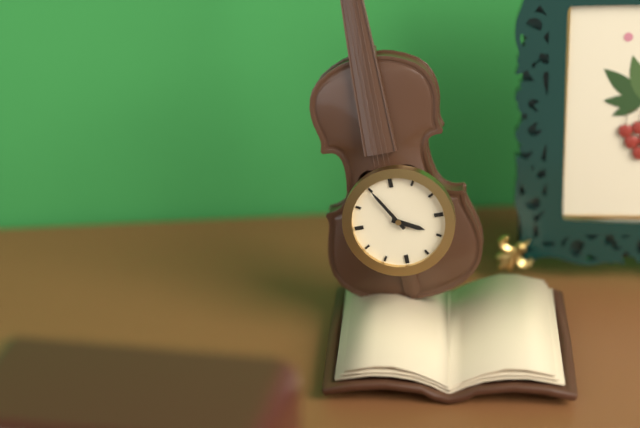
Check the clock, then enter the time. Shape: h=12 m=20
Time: h=3 m=55
